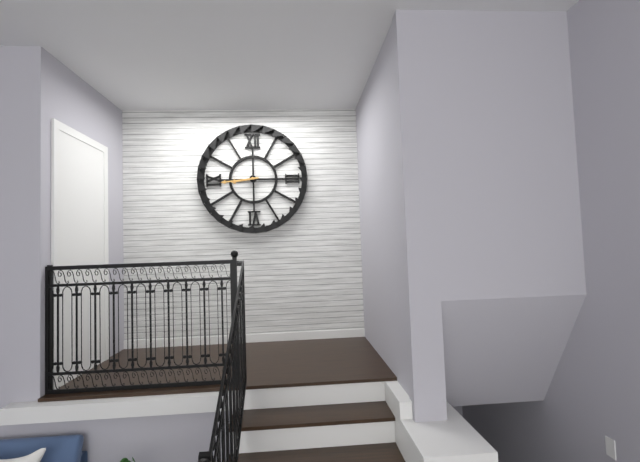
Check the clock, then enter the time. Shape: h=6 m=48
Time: h=8 m=44
